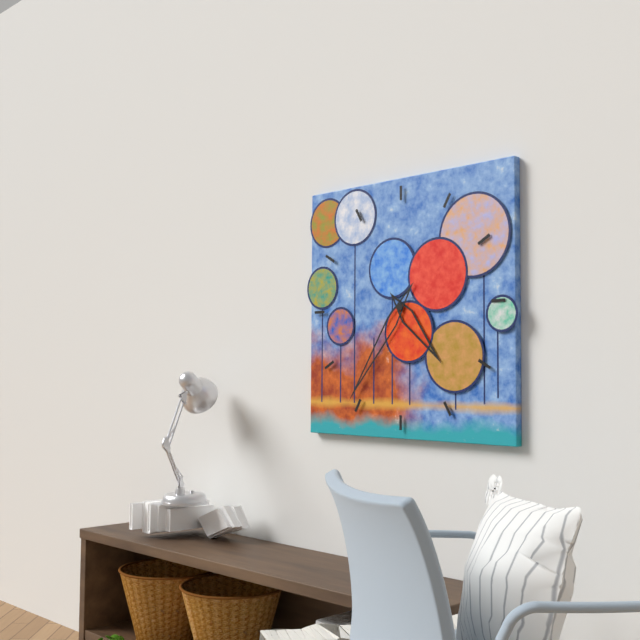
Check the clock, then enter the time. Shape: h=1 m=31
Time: h=4 m=36
